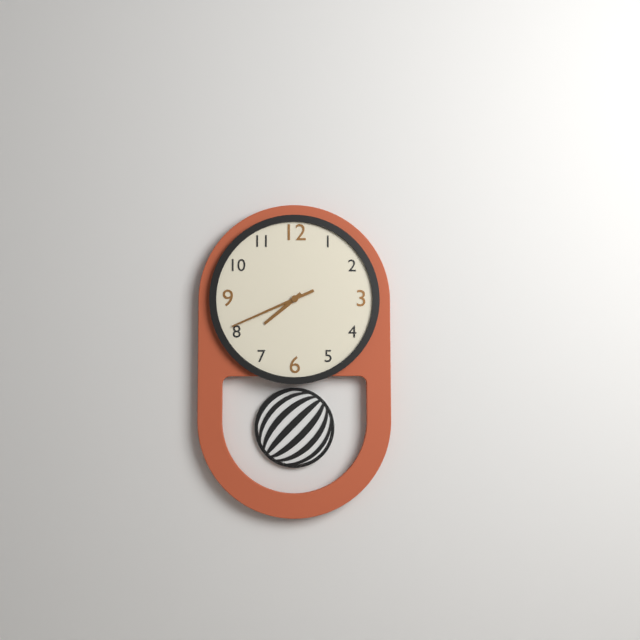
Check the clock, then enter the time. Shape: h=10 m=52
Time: h=7 m=41
